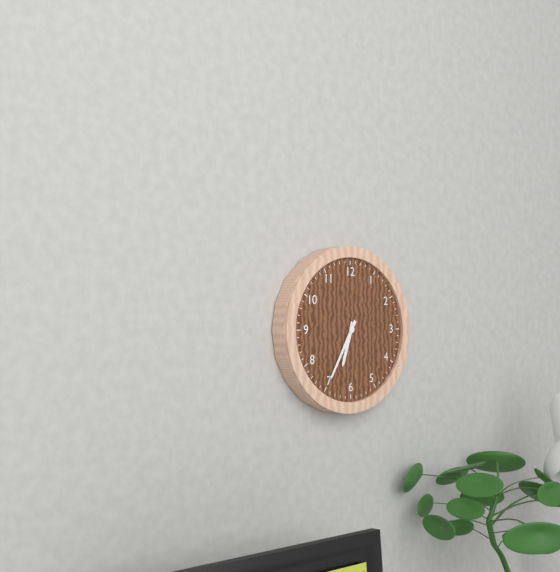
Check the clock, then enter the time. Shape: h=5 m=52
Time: h=6 m=35
